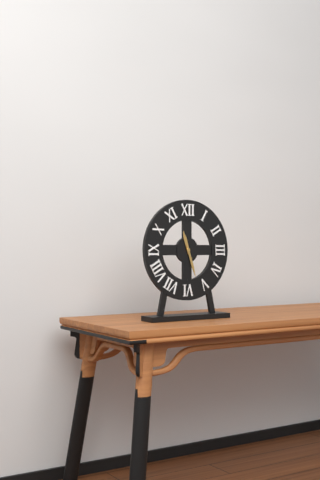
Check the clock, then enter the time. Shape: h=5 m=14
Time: h=11 m=27
